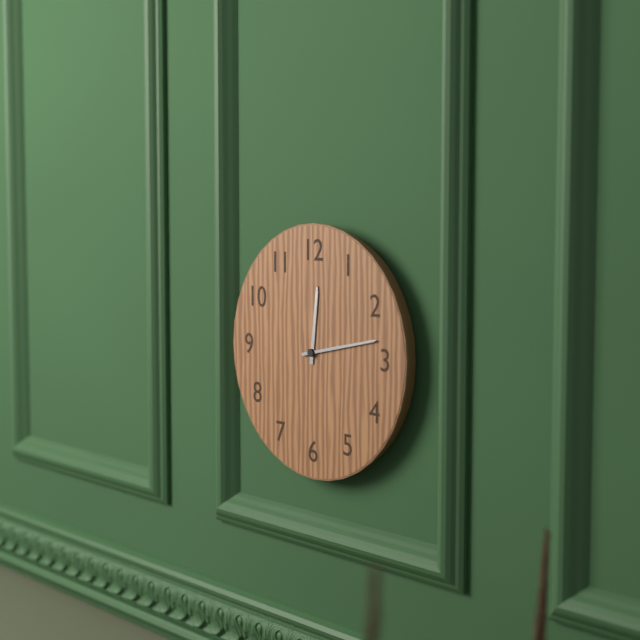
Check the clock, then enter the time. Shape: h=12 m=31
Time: h=12 m=13
